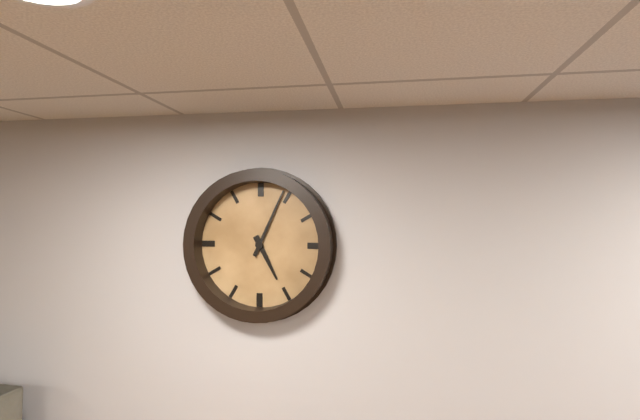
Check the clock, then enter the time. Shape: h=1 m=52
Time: h=5 m=4
